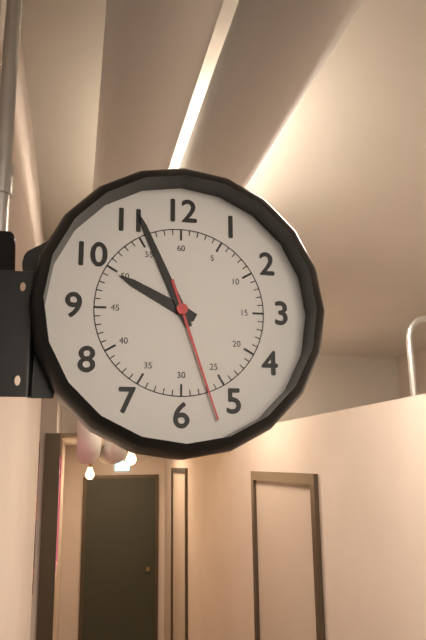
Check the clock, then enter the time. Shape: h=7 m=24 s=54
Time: h=9 m=56 s=27
